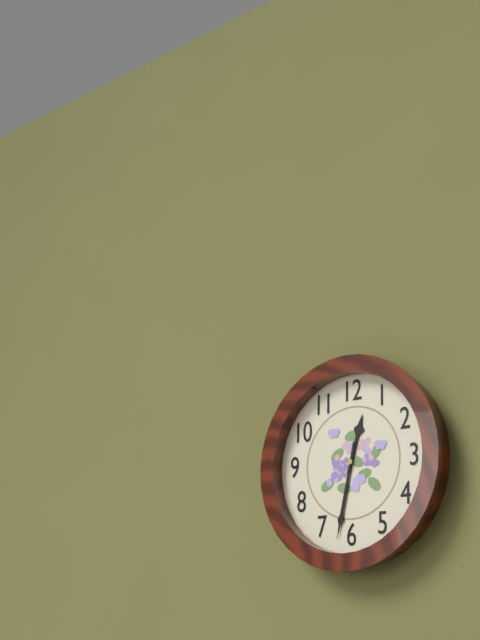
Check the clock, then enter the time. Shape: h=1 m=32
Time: h=12 m=32
